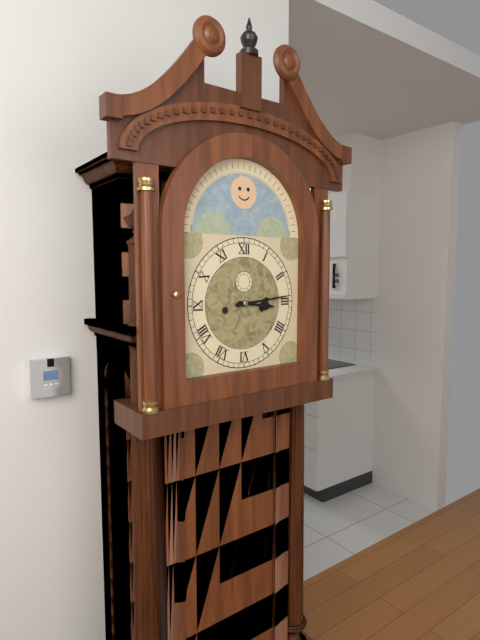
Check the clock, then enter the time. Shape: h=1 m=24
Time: h=3 m=14
